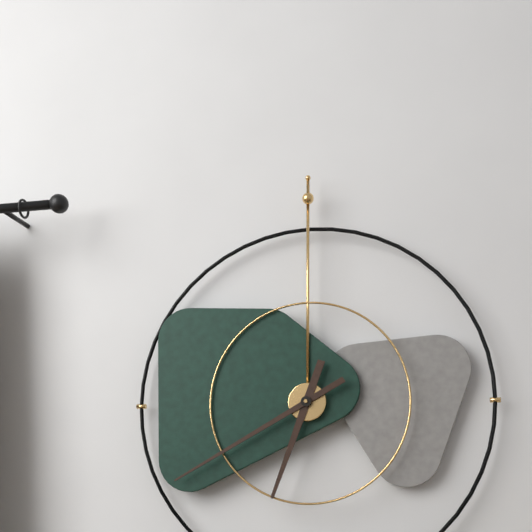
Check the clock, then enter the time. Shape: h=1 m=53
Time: h=6 m=40
